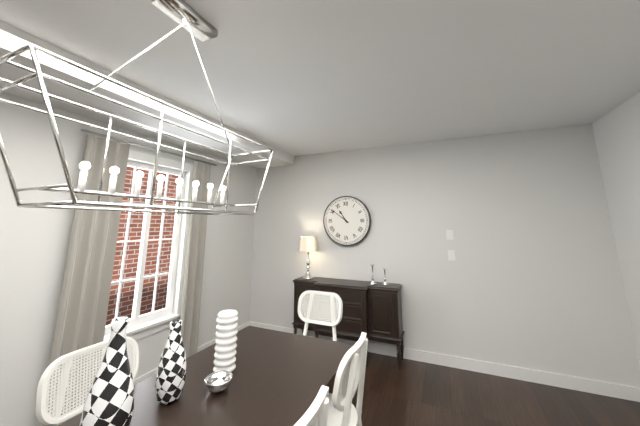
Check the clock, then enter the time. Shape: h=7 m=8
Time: h=10 m=51
